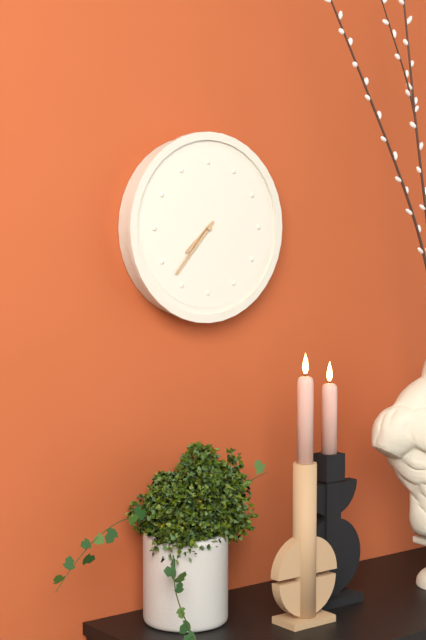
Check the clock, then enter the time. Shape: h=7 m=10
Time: h=7 m=37
